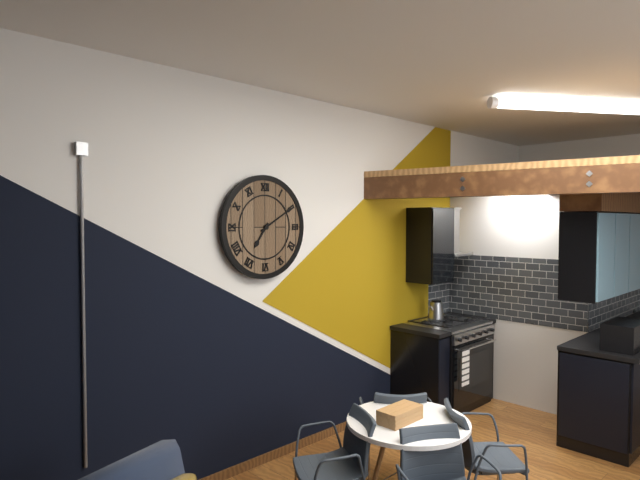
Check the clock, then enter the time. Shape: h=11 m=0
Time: h=7 m=10
